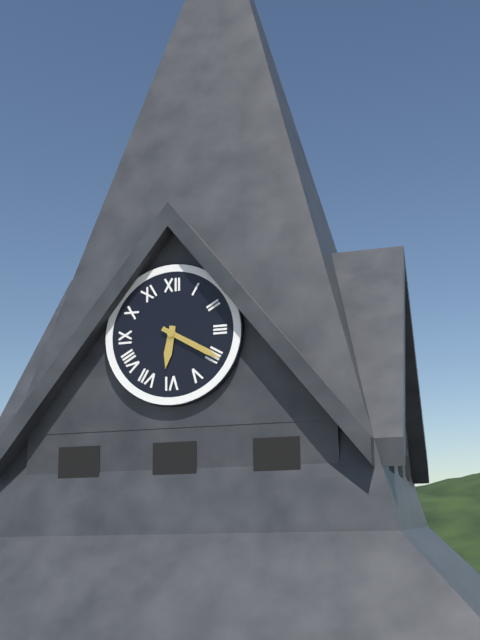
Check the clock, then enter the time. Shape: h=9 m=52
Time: h=6 m=20
